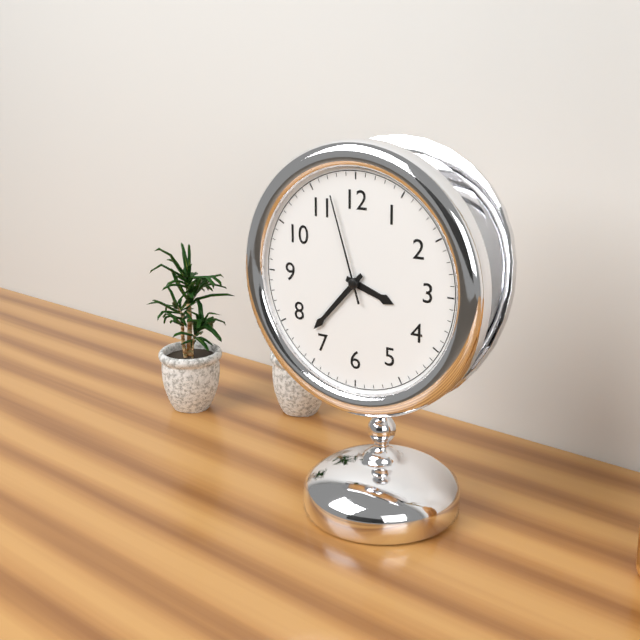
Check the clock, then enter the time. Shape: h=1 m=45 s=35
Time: h=3 m=37 s=57
